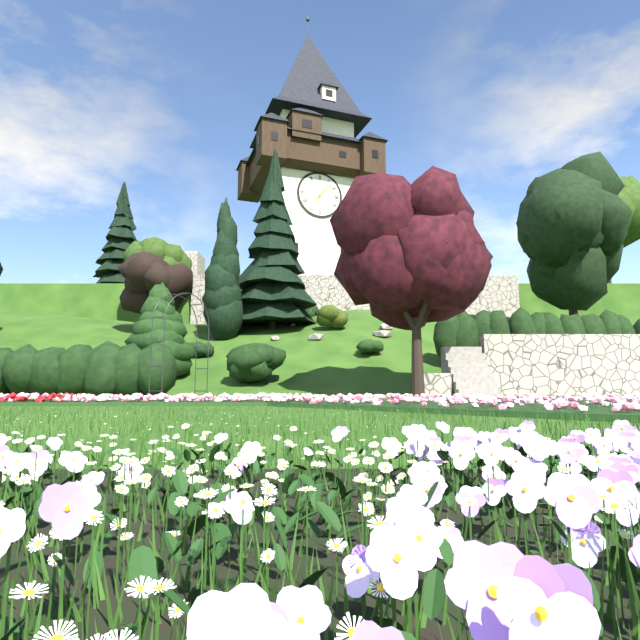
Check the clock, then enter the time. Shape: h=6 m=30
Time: h=7 m=7
